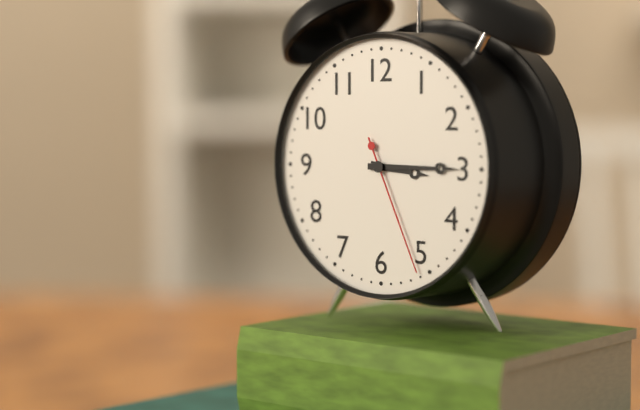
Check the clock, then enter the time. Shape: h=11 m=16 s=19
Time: h=3 m=15 s=26
